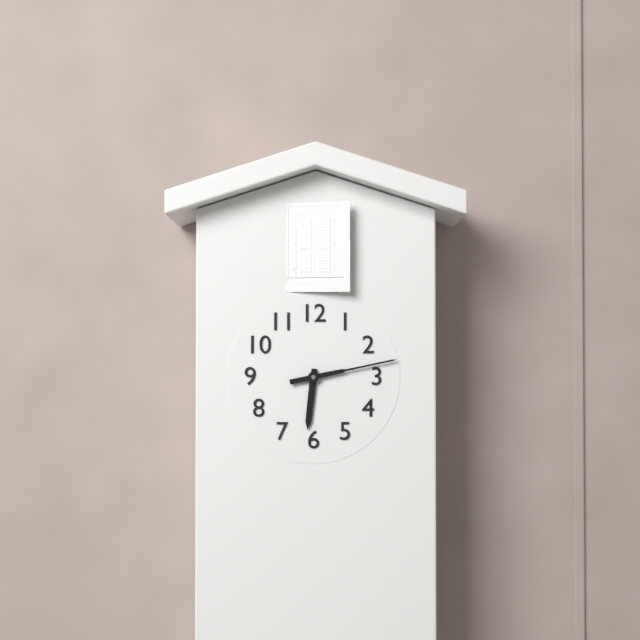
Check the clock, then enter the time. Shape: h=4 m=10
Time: h=6 m=13
